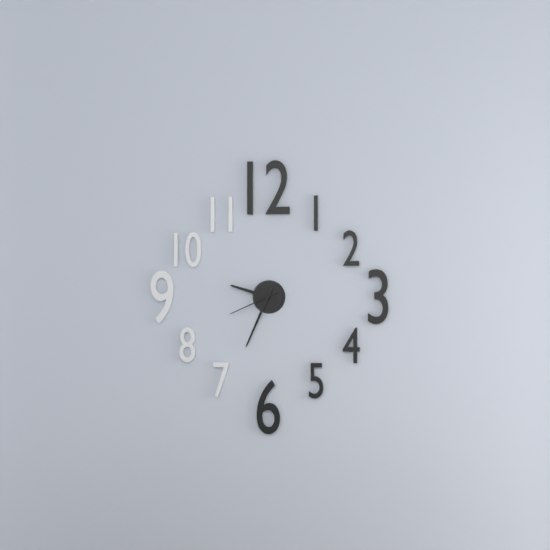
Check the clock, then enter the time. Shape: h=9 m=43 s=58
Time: h=9 m=34 s=41
